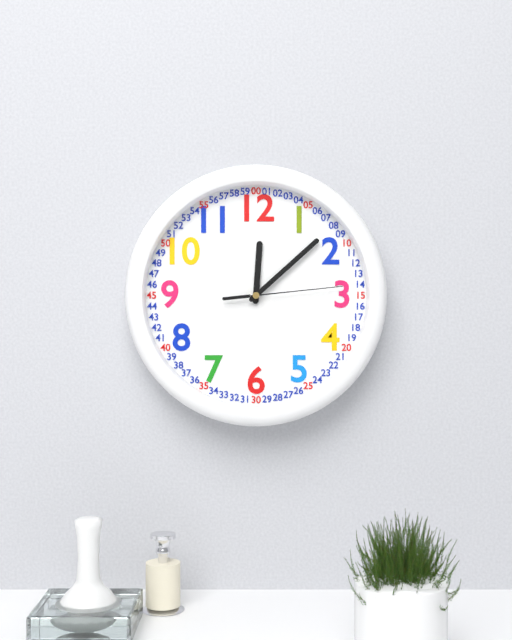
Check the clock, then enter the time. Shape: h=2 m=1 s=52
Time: h=12 m=8 s=14
